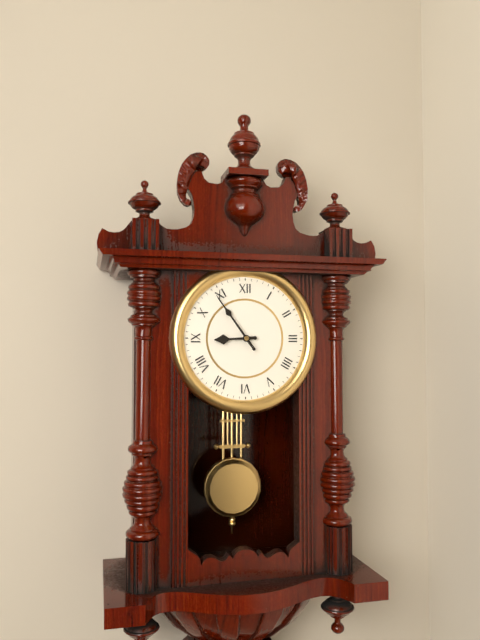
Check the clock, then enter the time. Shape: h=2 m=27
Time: h=8 m=54
